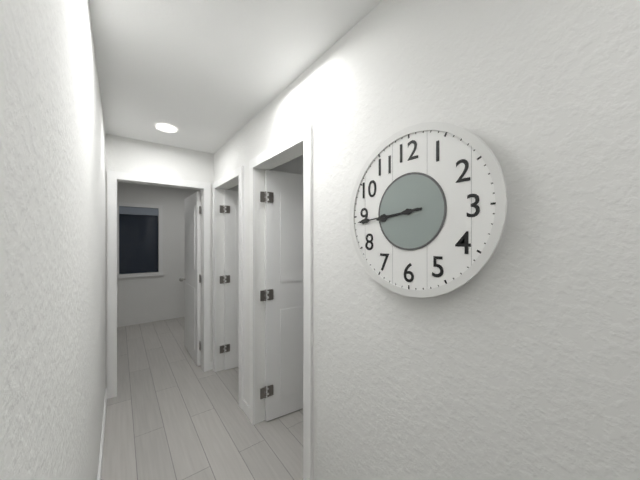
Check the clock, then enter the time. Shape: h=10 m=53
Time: h=8 m=44
